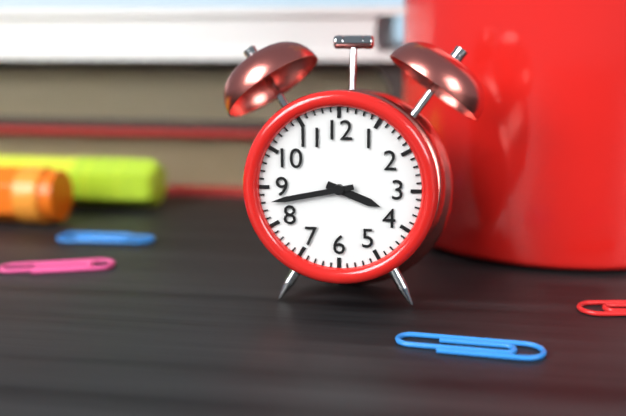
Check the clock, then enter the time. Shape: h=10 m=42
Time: h=3 m=43
